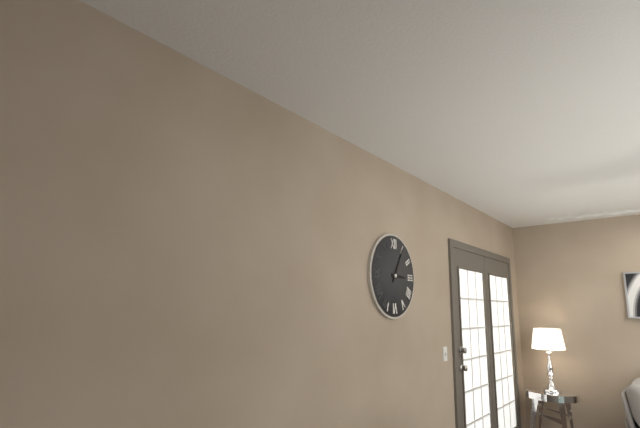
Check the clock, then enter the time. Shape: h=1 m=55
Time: h=3 m=5
